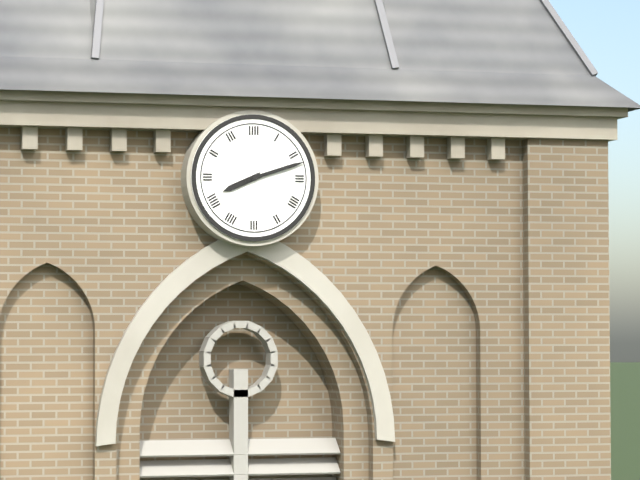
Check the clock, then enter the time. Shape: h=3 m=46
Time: h=8 m=12
